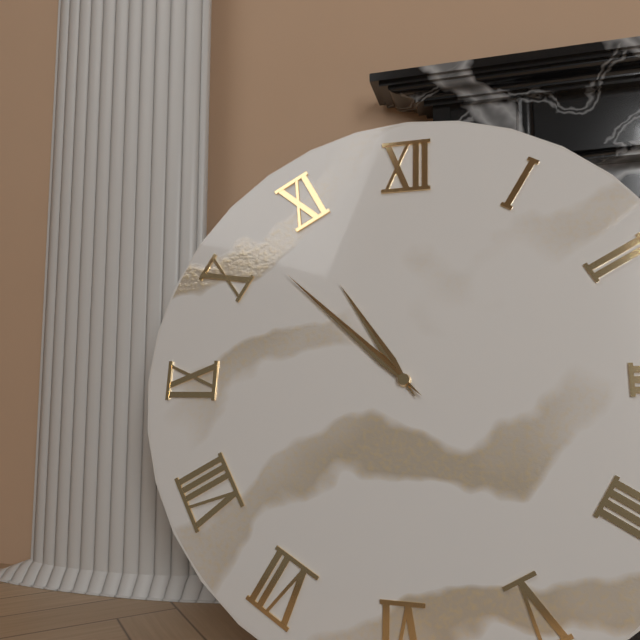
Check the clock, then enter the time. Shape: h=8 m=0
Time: h=10 m=52
